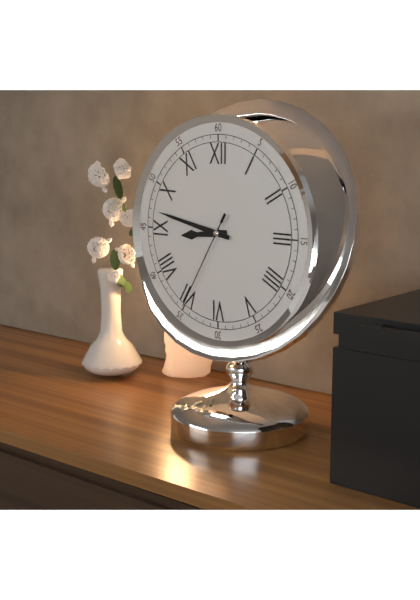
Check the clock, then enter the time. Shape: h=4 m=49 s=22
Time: h=8 m=47 s=35
